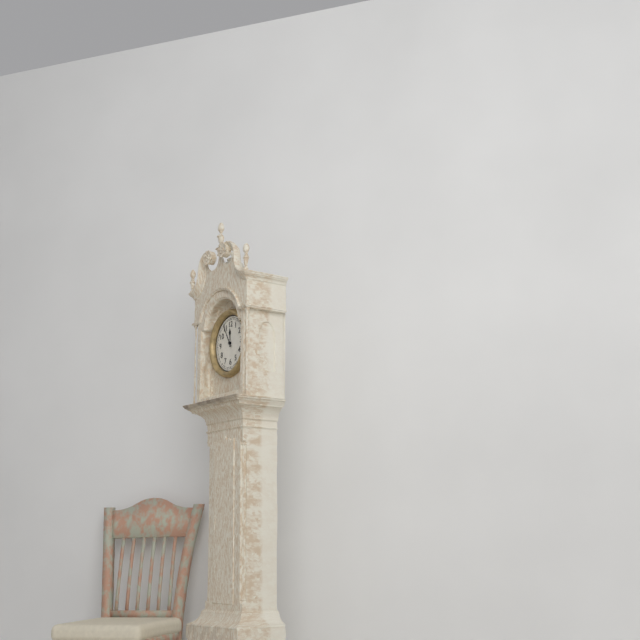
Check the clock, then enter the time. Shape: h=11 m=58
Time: h=11 m=55
